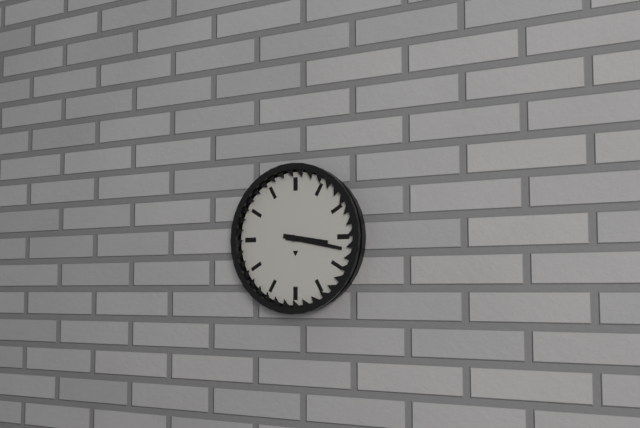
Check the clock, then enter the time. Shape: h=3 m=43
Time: h=3 m=17
